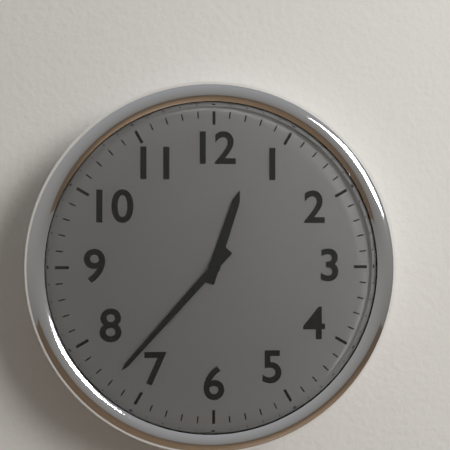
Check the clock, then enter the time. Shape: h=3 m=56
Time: h=12 m=37
